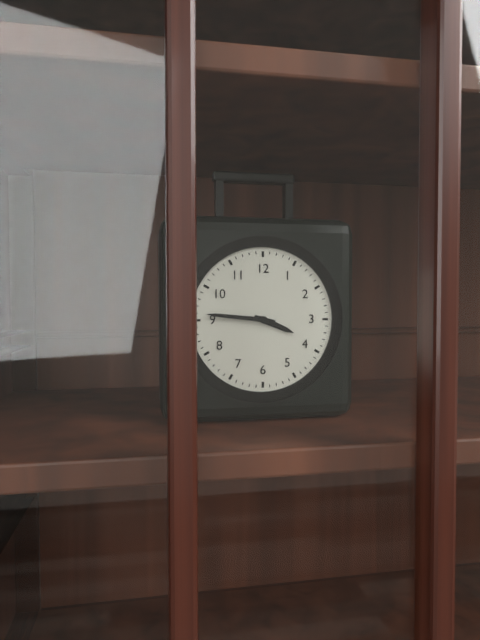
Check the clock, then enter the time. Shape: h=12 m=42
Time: h=3 m=46
